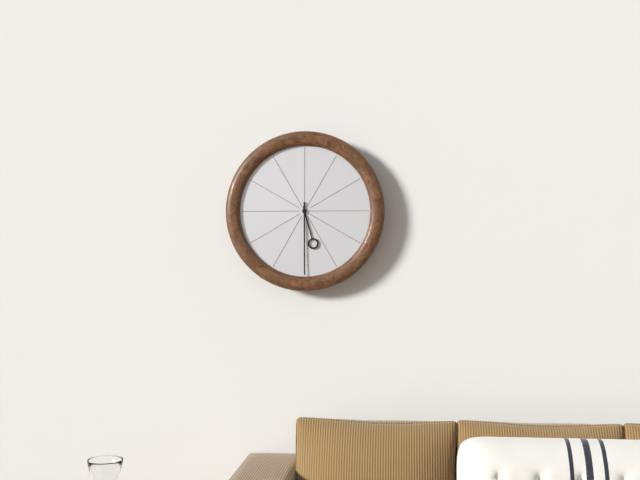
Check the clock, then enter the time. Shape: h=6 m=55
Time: h=5 m=30
